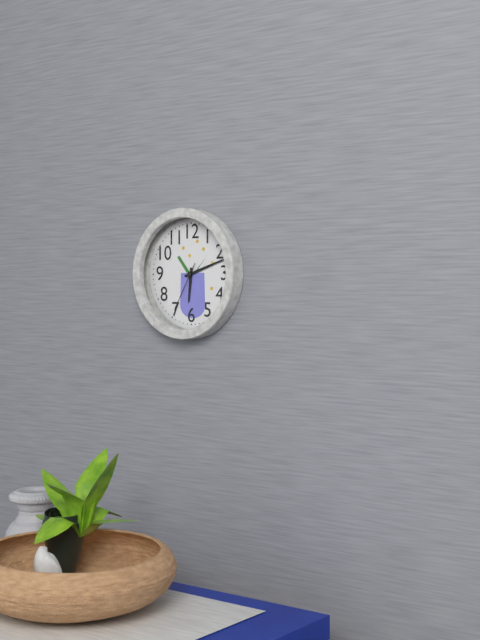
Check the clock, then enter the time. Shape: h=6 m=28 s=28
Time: h=6 m=12 s=35
